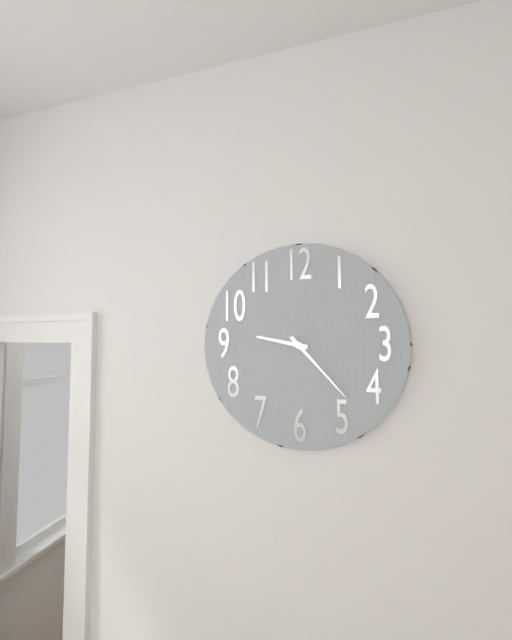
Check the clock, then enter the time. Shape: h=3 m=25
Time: h=9 m=23
